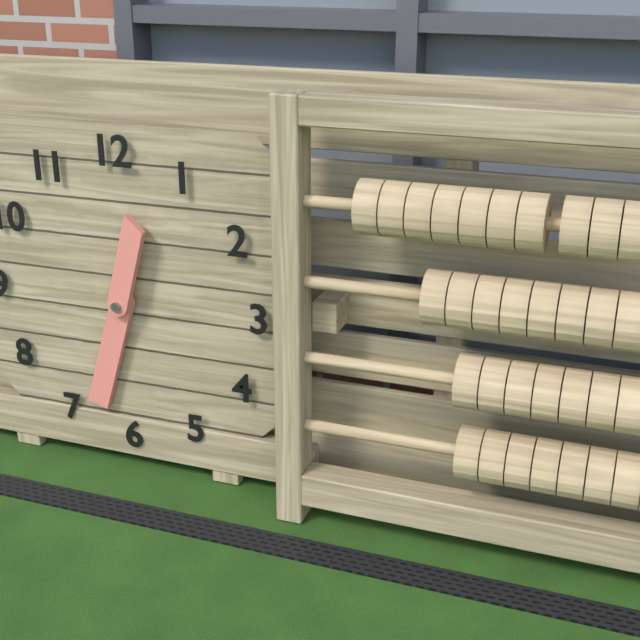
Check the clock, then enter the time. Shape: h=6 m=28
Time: h=12 m=33
